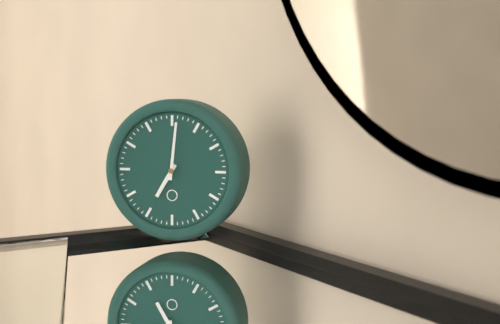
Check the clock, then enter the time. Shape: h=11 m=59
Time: h=7 m=1
